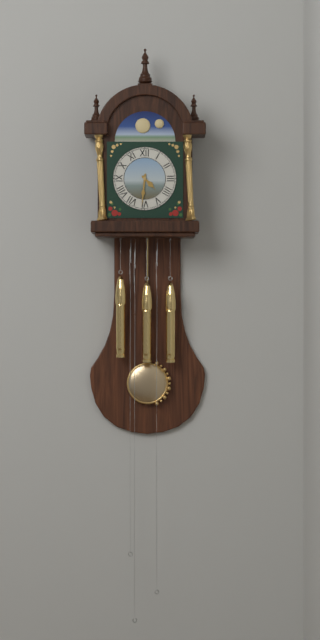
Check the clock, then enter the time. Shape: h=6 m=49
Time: h=4 m=31
